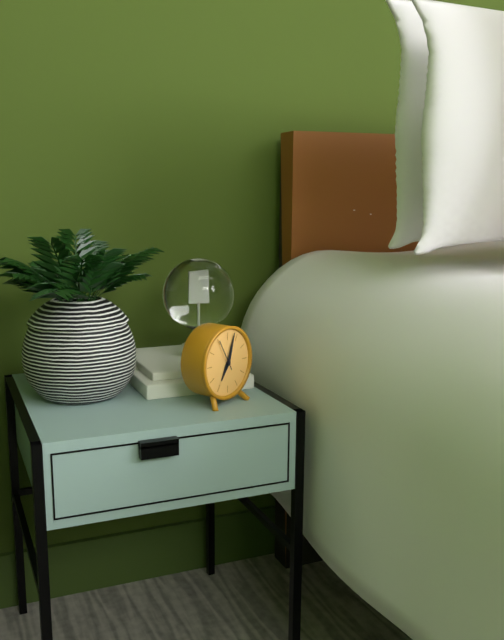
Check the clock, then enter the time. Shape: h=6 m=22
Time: h=7 m=3
